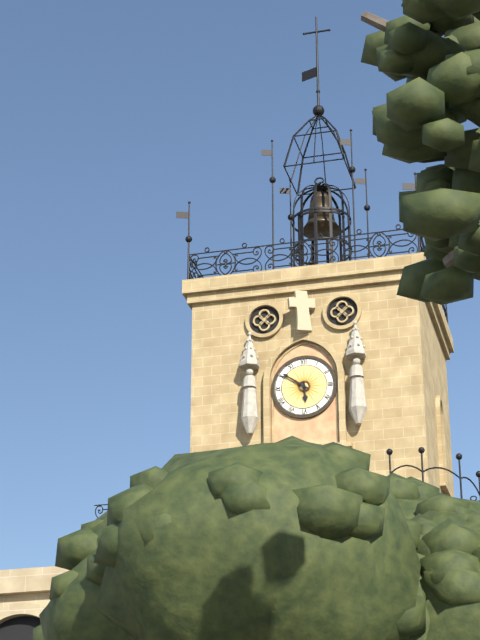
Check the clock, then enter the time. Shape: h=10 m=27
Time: h=5 m=51
